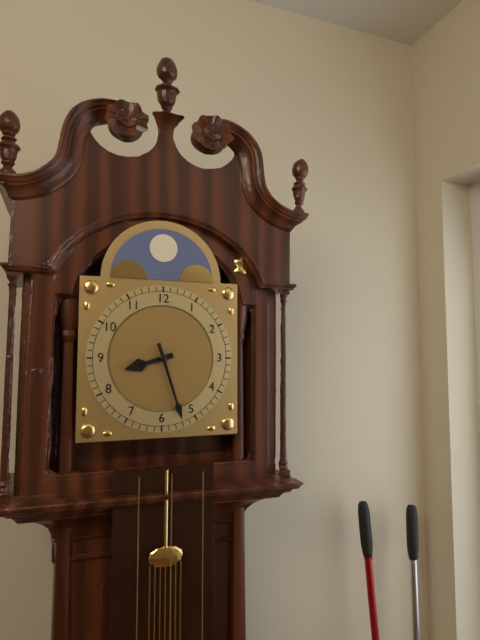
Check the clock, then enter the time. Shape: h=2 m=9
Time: h=8 m=27
